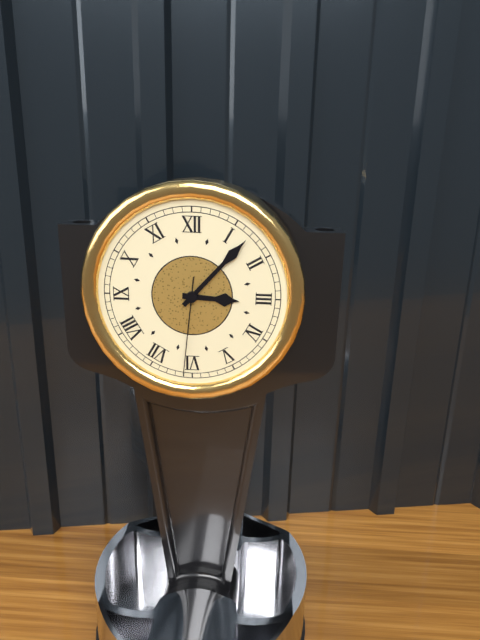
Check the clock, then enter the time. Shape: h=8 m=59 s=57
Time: h=3 m=7 s=31
